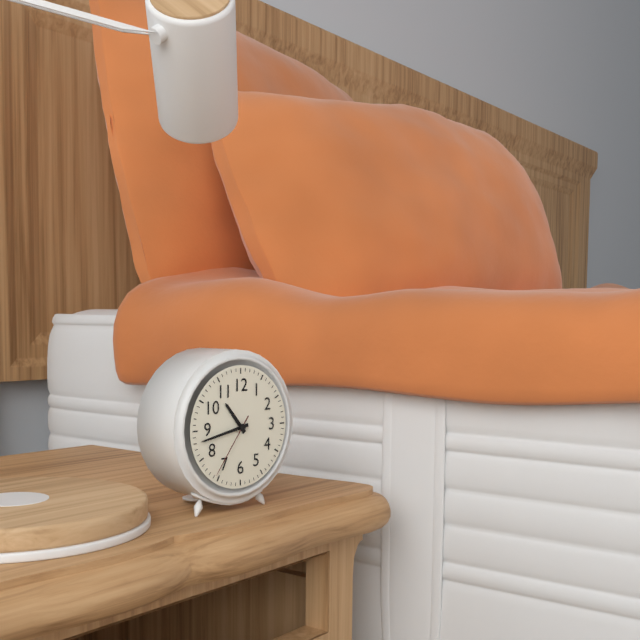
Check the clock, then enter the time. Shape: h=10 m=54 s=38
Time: h=10 m=43 s=36
